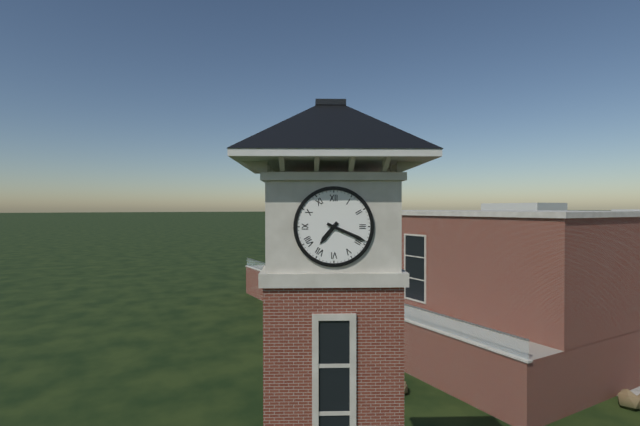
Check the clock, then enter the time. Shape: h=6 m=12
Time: h=7 m=19
